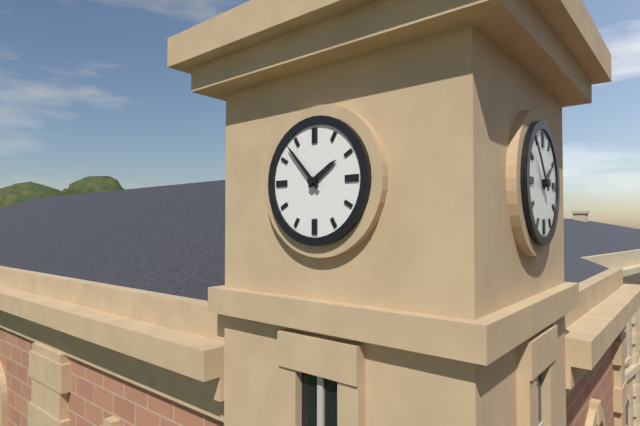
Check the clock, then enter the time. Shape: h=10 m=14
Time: h=1 m=53
